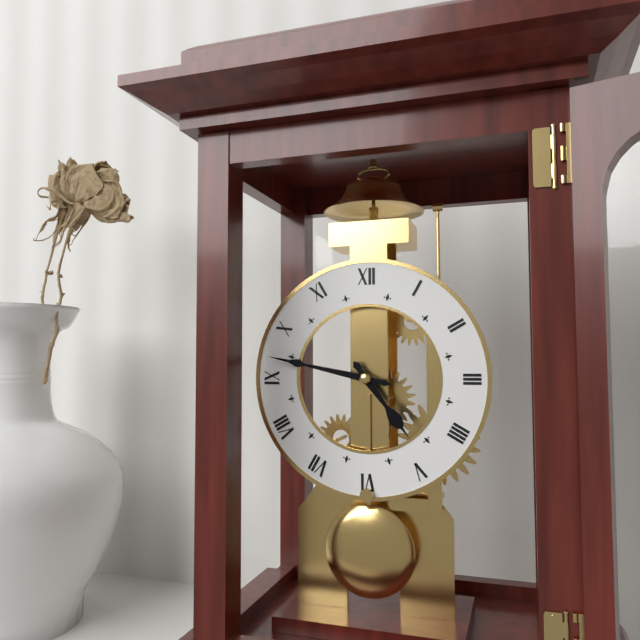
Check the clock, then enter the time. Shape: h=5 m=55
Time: h=4 m=47
